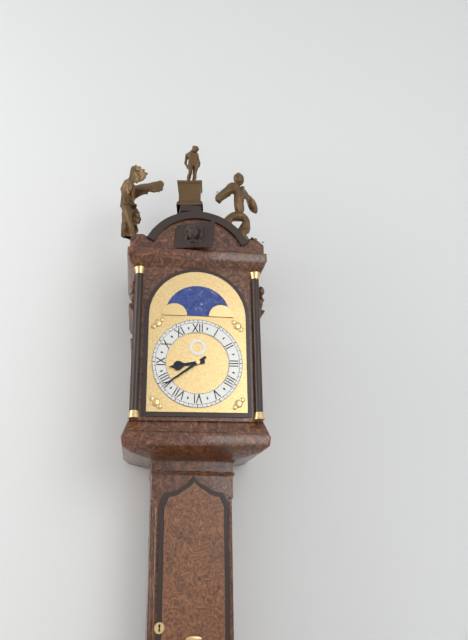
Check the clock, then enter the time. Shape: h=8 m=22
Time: h=8 m=39
